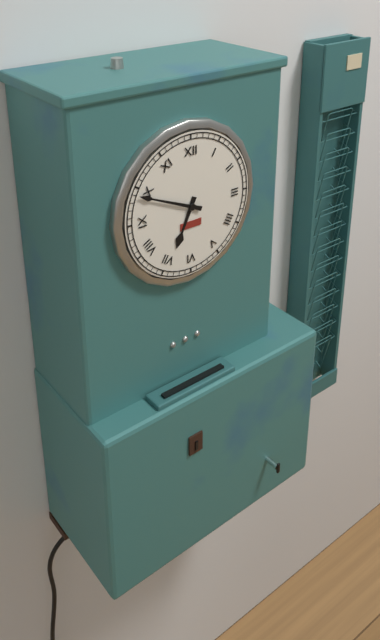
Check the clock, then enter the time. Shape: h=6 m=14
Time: h=6 m=49
